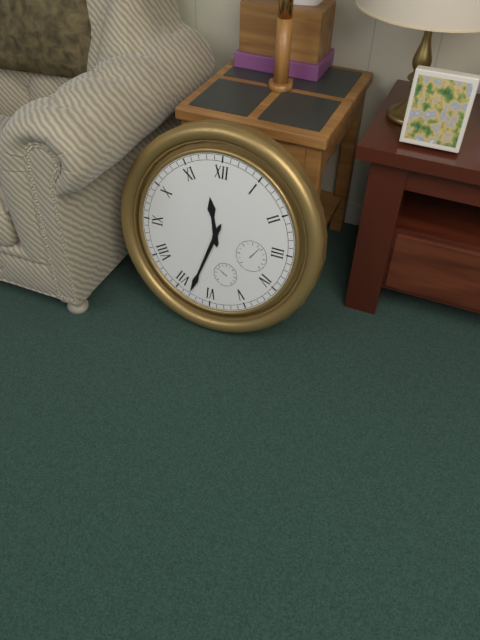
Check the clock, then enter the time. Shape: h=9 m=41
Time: h=11 m=33
